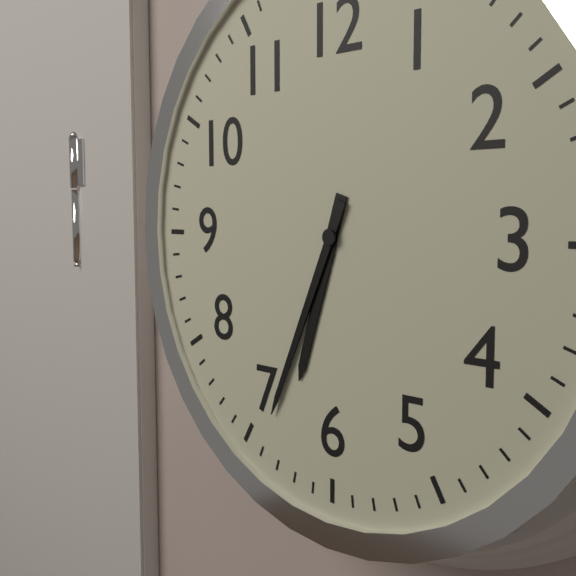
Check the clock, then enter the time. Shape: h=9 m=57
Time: h=6 m=34
